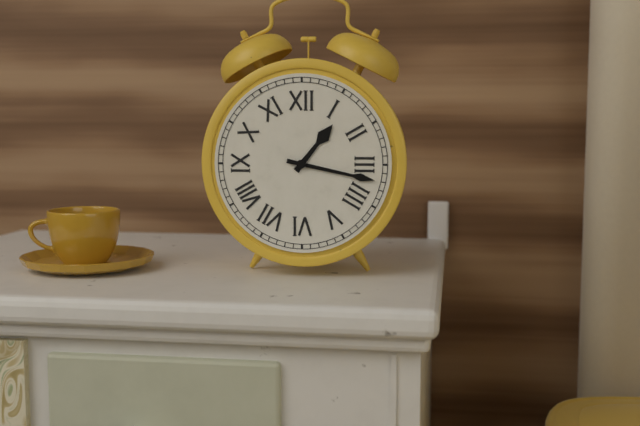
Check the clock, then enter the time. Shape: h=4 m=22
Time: h=1 m=17
